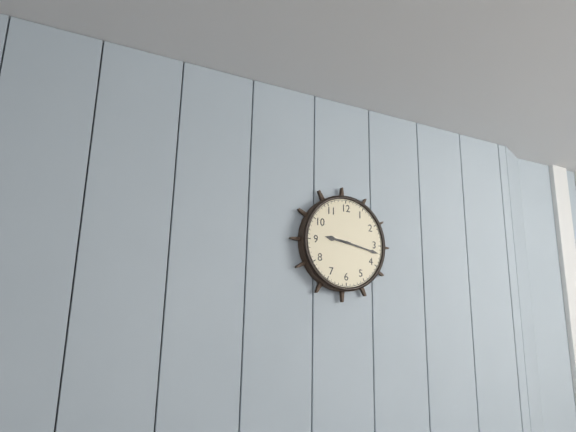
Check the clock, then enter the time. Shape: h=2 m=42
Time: h=9 m=17
